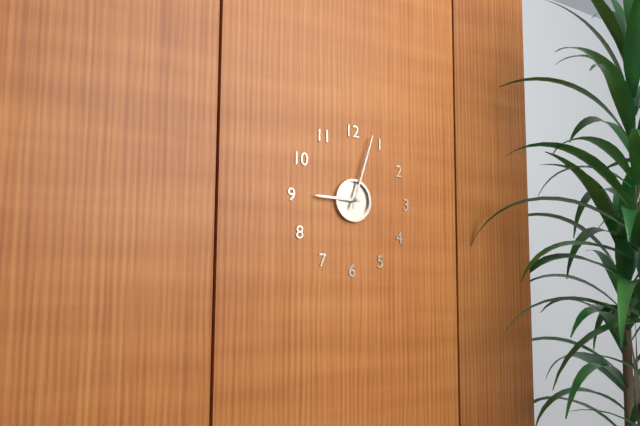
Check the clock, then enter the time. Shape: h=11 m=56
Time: h=9 m=3
